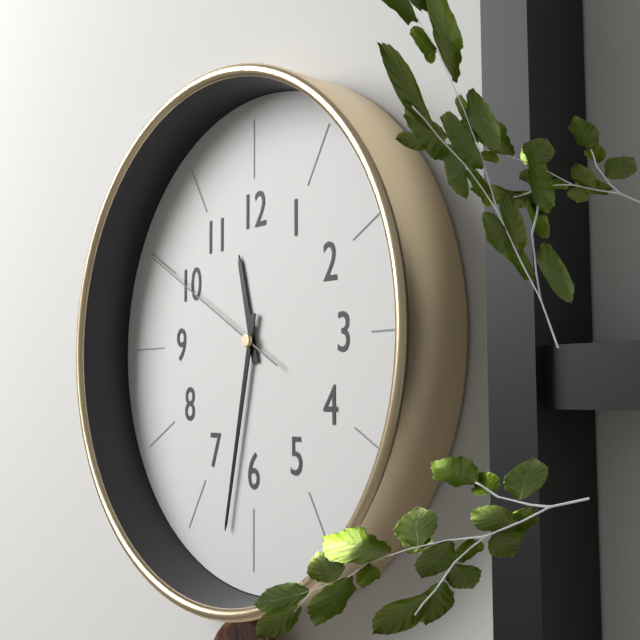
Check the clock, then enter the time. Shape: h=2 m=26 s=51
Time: h=11 m=32 s=50
